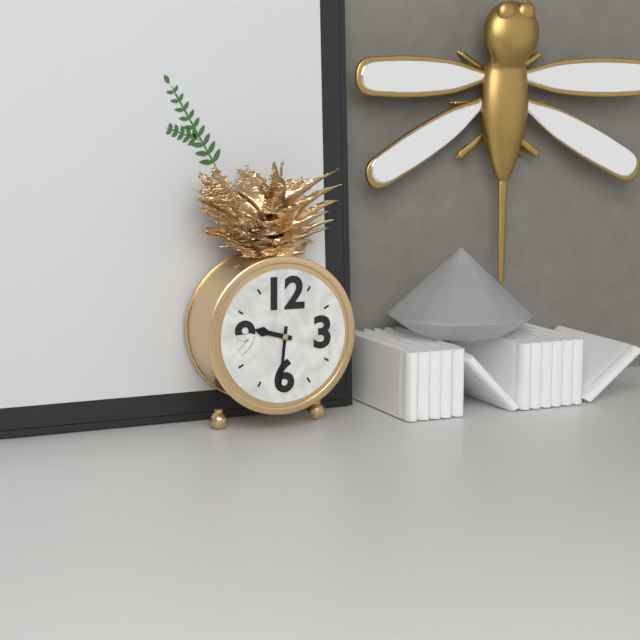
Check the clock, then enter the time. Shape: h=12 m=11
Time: h=9 m=31
